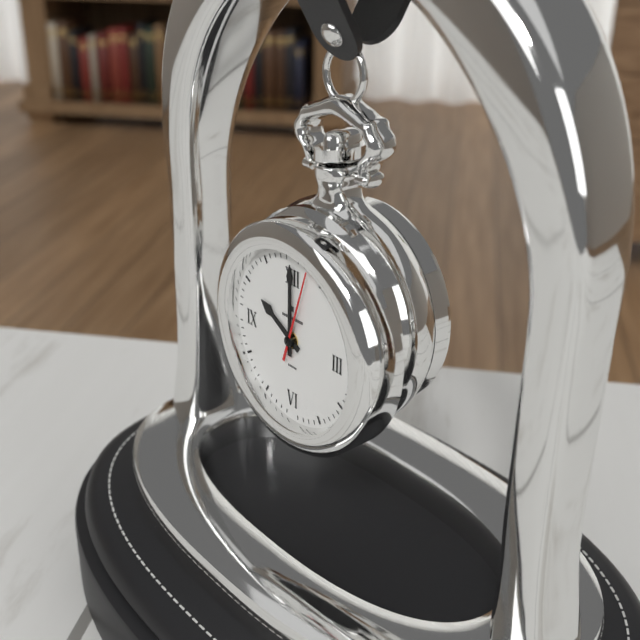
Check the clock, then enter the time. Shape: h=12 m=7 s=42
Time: h=10 m=0 s=3
